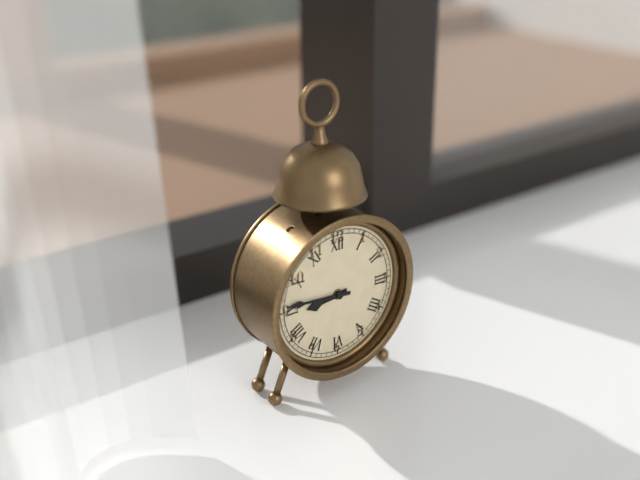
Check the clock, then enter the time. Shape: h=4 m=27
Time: h=8 m=46
